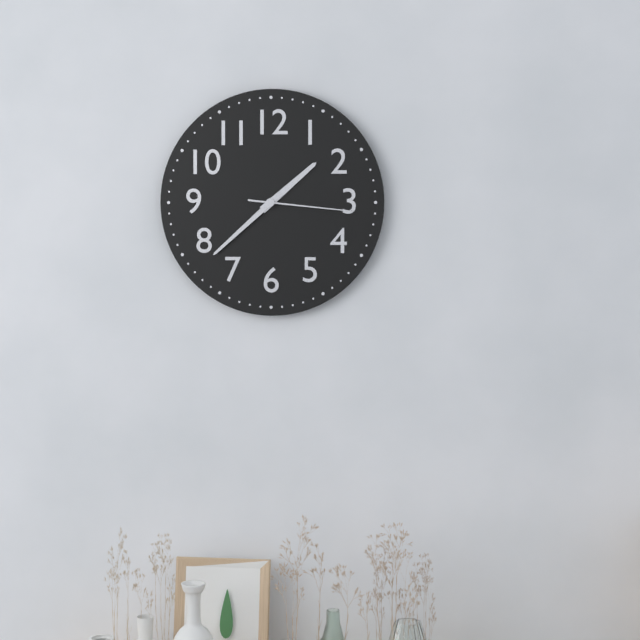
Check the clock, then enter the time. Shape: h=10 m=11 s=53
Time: h=1 m=38 s=16
